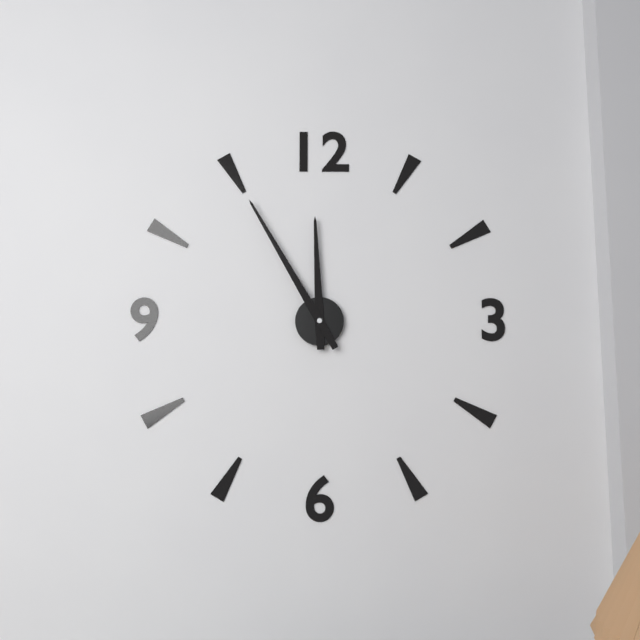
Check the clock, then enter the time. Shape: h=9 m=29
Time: h=11 m=55
